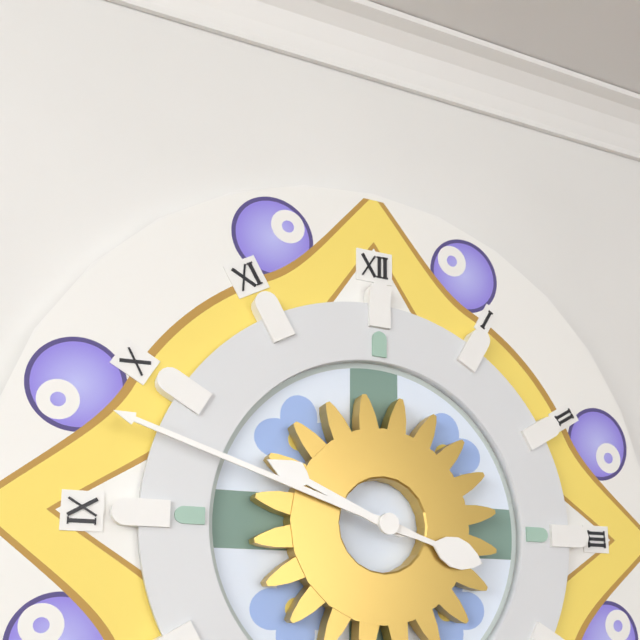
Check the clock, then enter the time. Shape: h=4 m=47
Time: h=9 m=48
